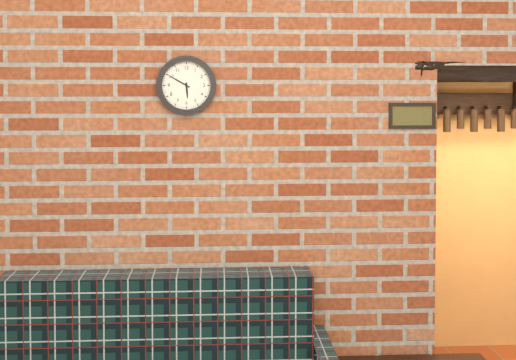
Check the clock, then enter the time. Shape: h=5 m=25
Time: h=5 m=50
